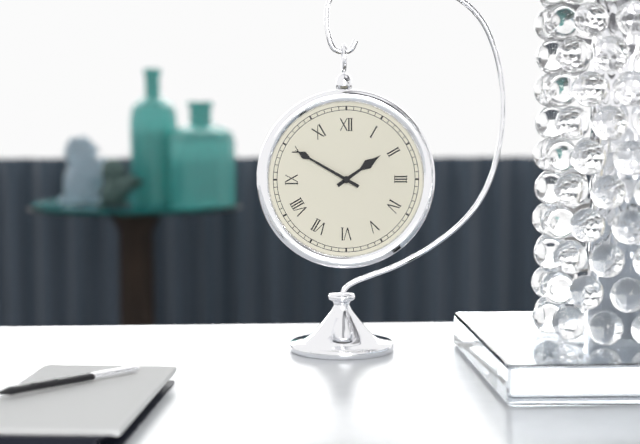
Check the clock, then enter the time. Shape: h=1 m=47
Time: h=1 m=50
